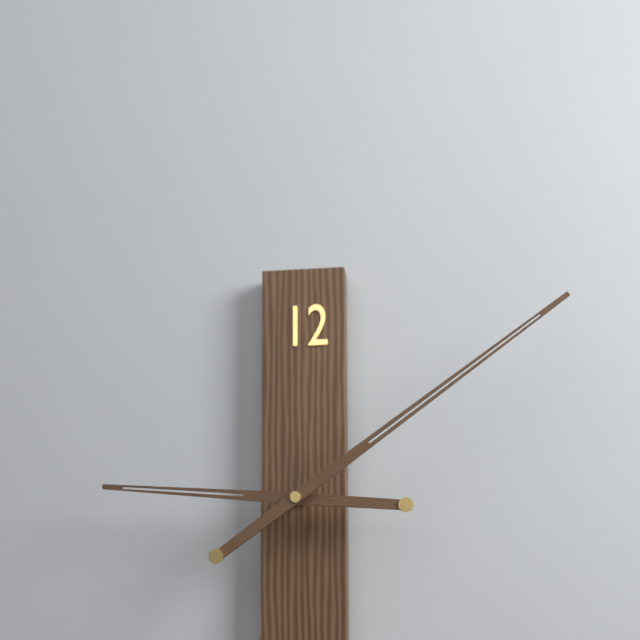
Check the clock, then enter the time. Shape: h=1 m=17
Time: h=9 m=9
